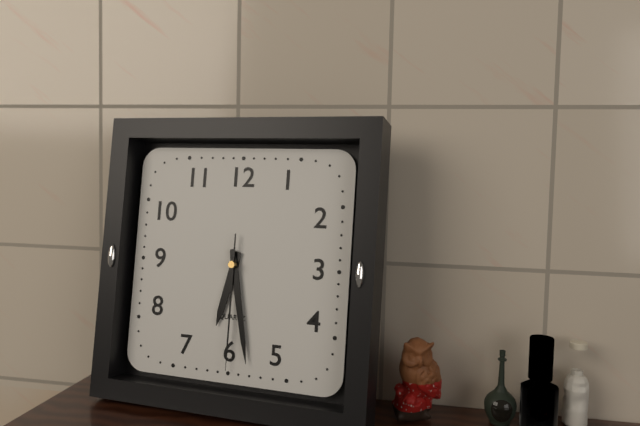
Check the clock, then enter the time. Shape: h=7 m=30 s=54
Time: h=6 m=28 s=30
